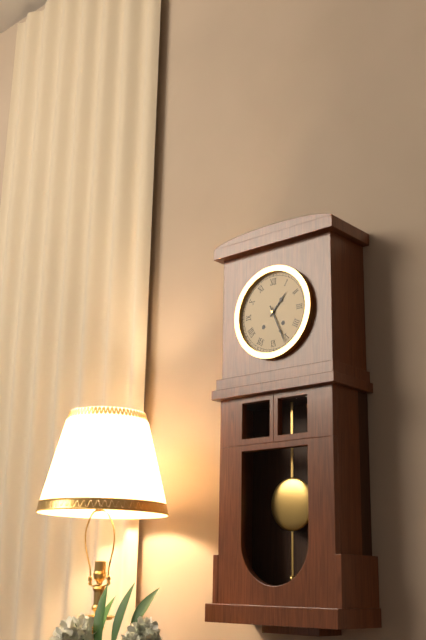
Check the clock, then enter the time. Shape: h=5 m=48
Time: h=1 m=26
